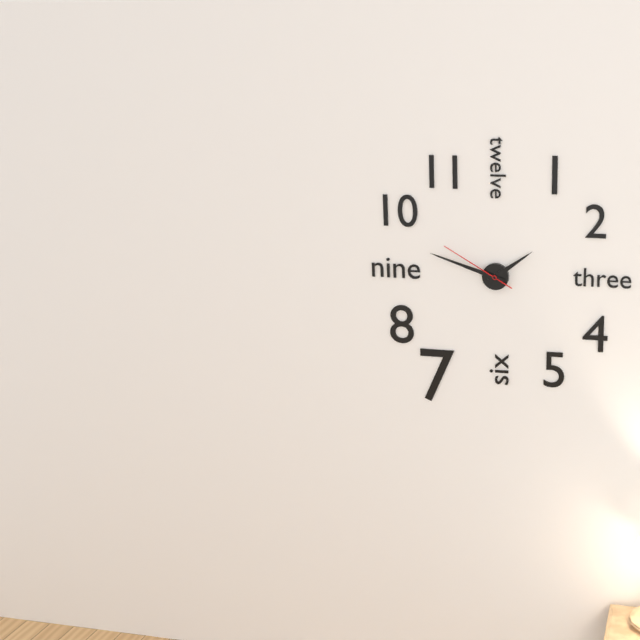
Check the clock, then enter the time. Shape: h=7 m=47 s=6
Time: h=1 m=48 s=50
